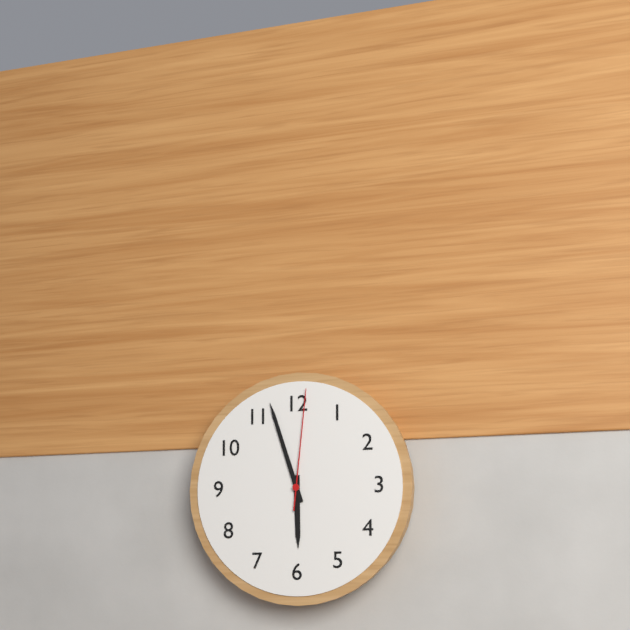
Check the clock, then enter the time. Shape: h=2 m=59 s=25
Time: h=5 m=57 s=1
